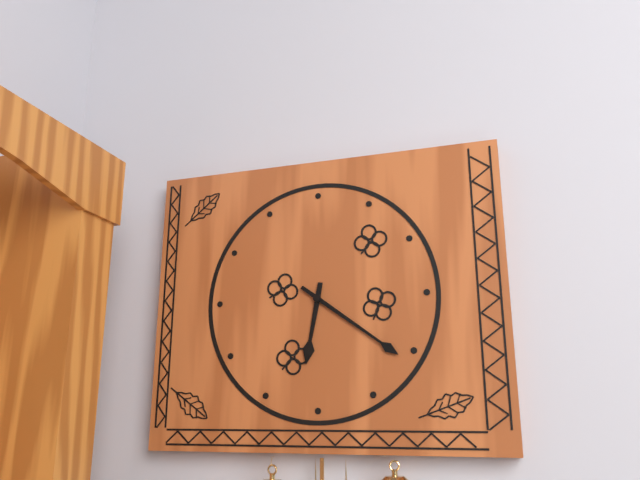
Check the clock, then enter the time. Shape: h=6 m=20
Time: h=6 m=21
